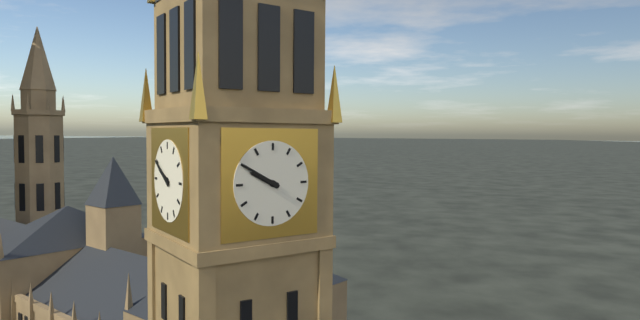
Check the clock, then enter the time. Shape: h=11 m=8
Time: h=9 m=50
